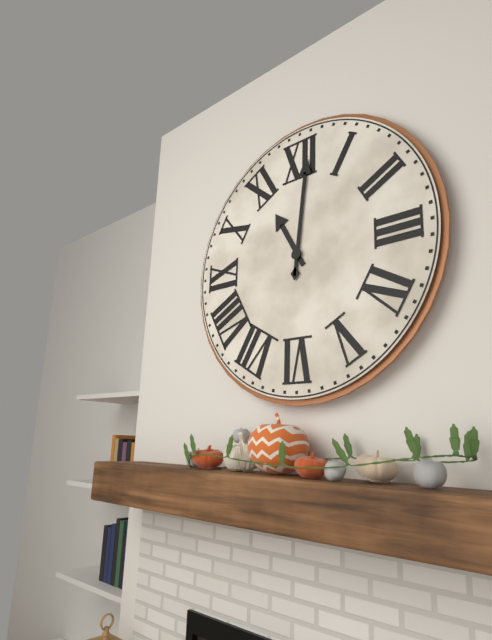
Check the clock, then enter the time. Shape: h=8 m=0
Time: h=11 m=1
